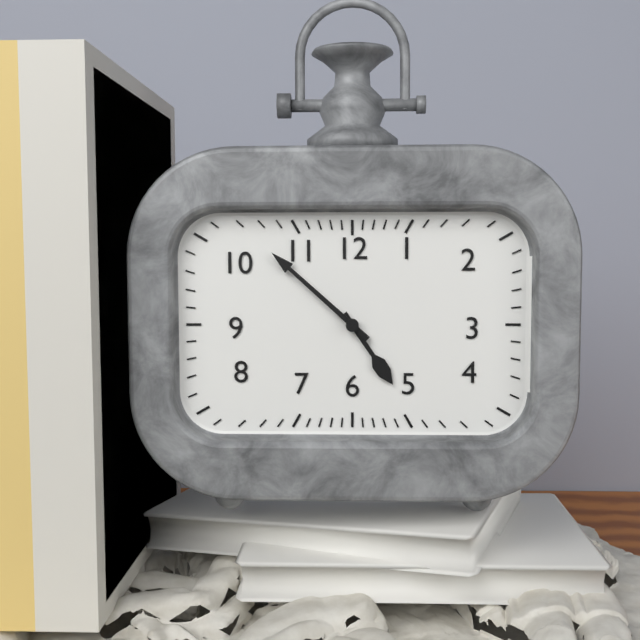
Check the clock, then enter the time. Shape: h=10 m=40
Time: h=4 m=52
